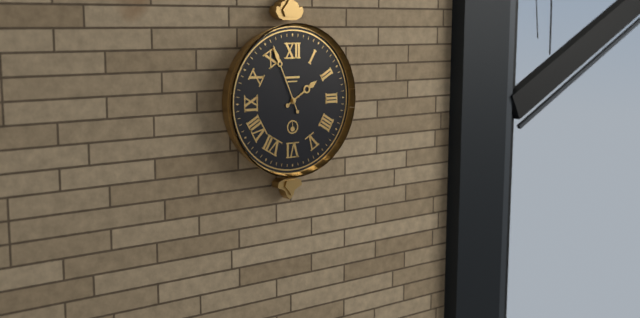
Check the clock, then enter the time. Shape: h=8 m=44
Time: h=1 m=56
